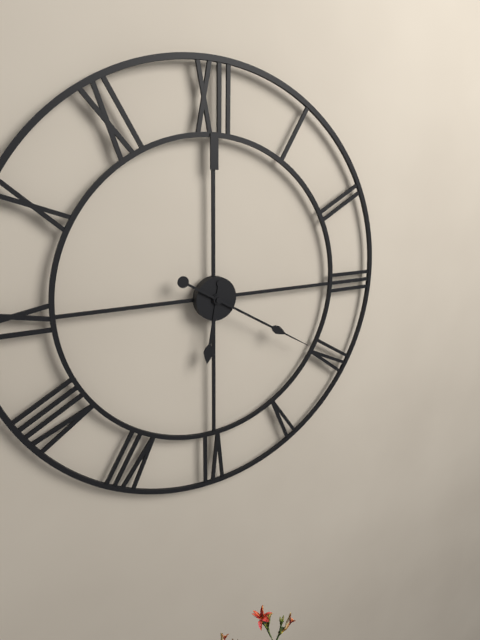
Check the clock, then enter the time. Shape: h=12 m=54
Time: h=6 m=20
